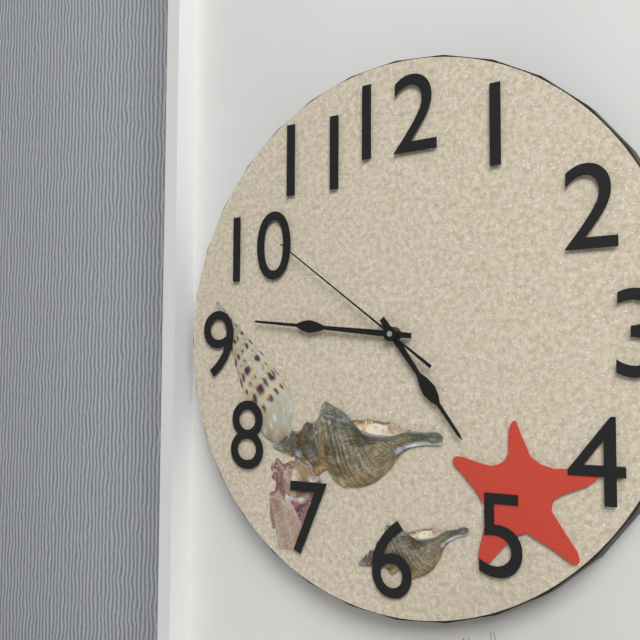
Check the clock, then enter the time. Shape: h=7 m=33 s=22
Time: h=4 m=46 s=51
